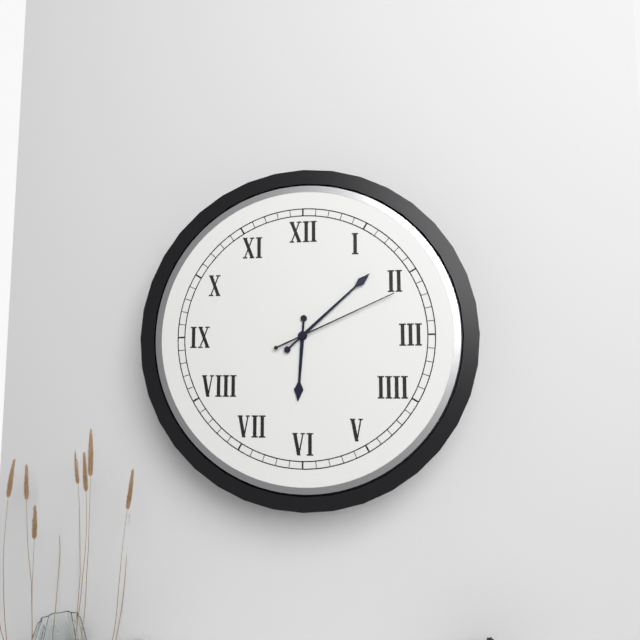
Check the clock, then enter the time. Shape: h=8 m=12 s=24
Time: h=6 m=8 s=11
